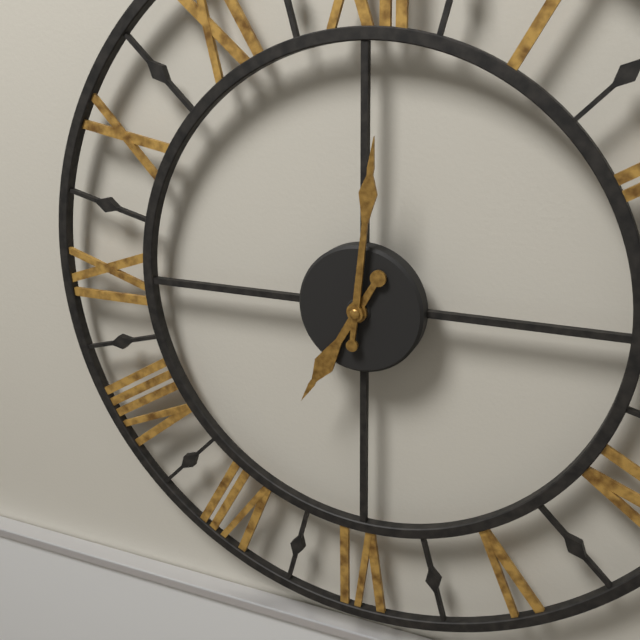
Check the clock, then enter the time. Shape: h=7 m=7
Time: h=7 m=1
